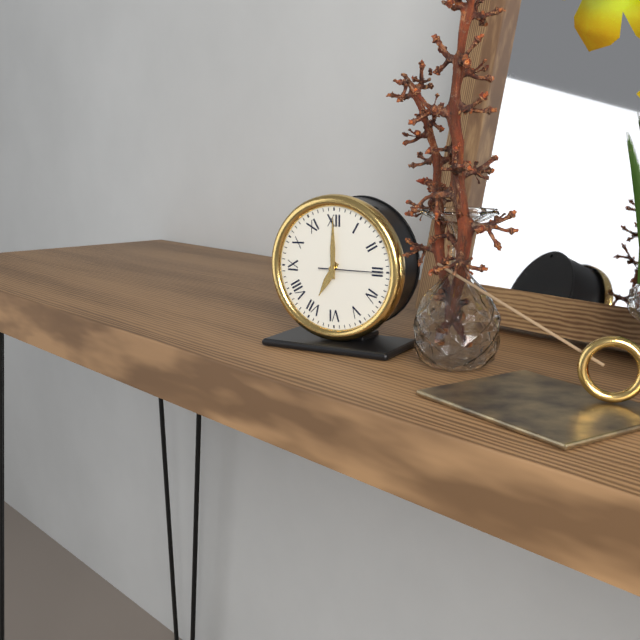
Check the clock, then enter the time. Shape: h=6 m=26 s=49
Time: h=7 m=0 s=15
